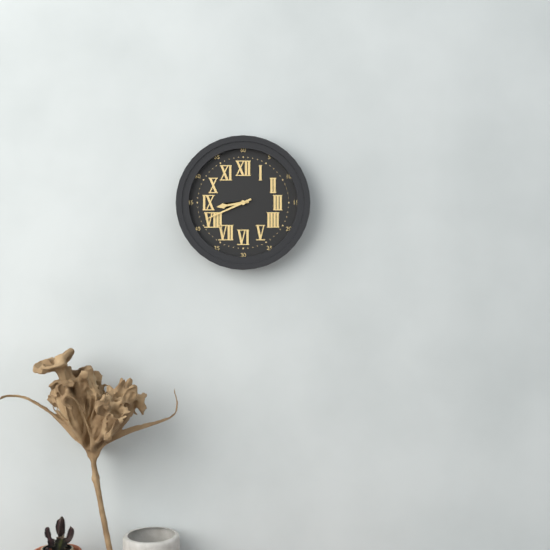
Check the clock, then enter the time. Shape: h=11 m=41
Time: h=8 m=41
